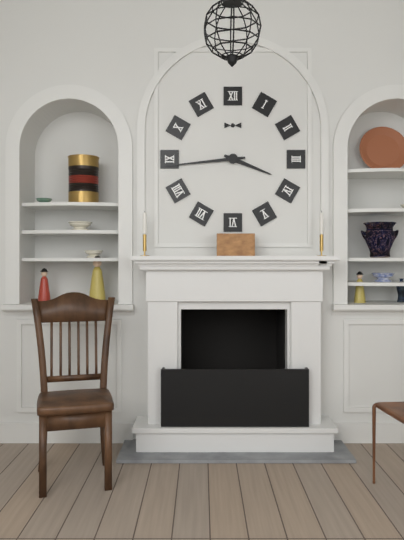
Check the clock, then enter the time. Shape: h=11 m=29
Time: h=3 m=44
